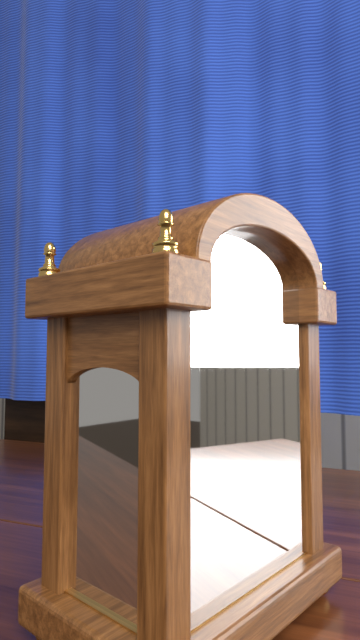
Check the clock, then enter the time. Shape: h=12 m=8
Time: h=5 m=29
